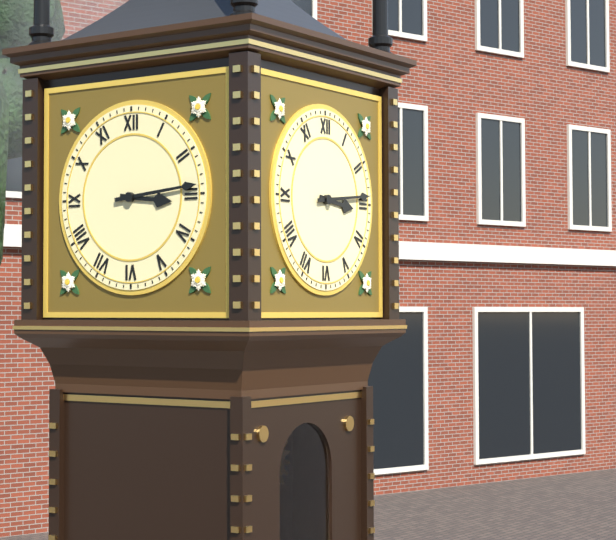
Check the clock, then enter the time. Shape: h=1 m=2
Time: h=3 m=14
